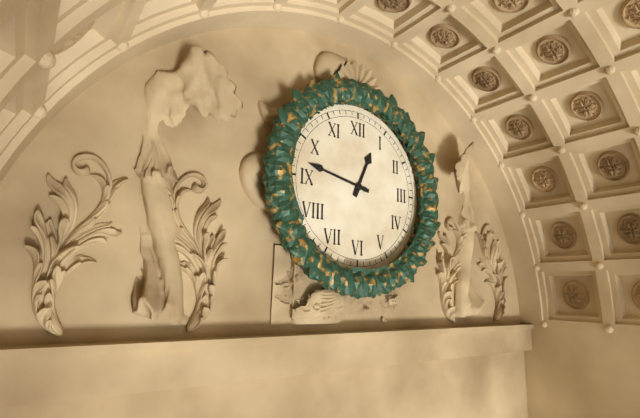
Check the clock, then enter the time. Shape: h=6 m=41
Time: h=12 m=47
